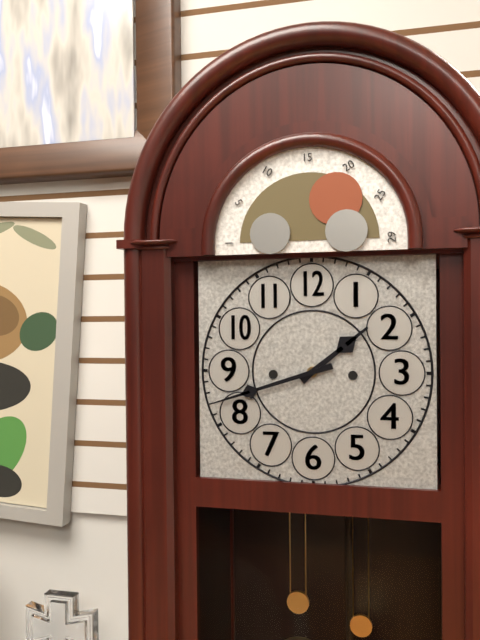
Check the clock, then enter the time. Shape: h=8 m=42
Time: h=1 m=42
